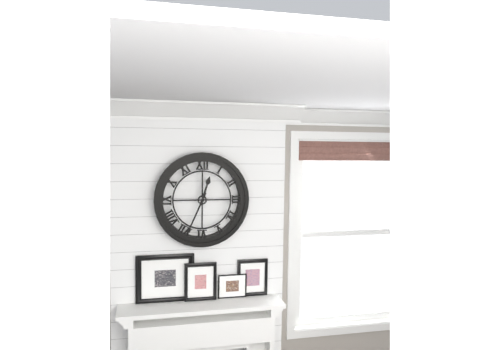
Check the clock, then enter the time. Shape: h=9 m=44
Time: h=12 m=34
